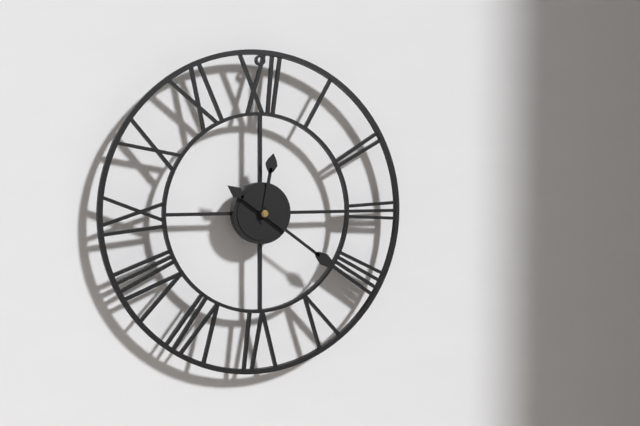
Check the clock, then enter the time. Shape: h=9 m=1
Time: h=12 m=21
